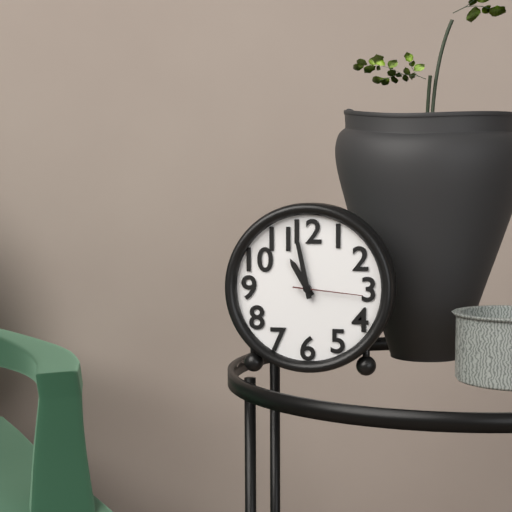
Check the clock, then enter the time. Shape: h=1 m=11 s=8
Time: h=10 m=58 s=16
